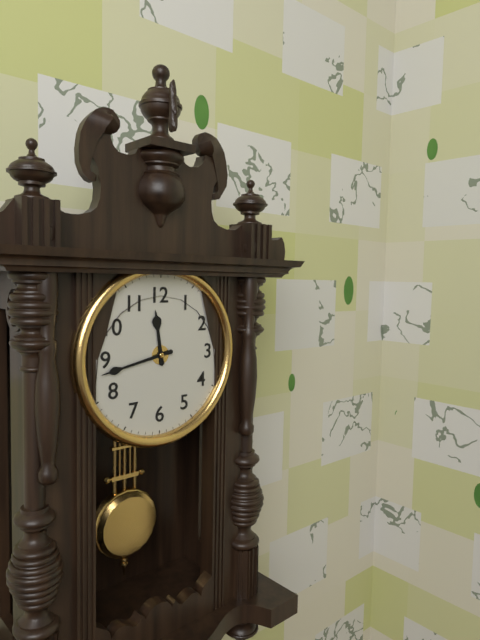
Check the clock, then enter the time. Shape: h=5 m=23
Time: h=11 m=43
